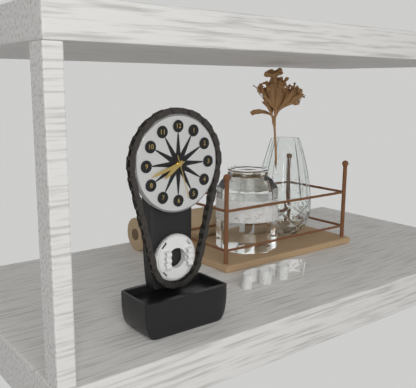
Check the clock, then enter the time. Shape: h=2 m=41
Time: h=7 m=42
